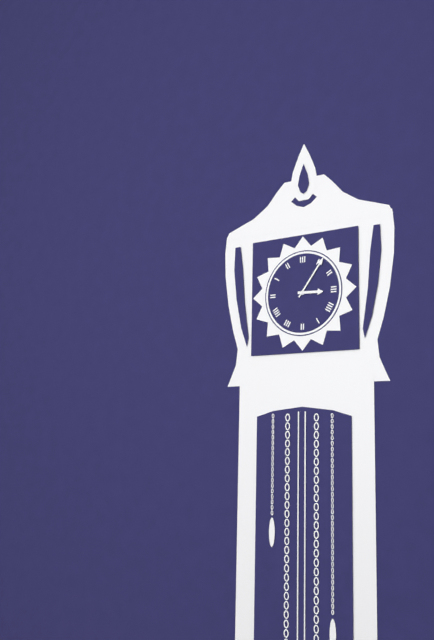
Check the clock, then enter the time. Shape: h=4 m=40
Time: h=3 m=6
